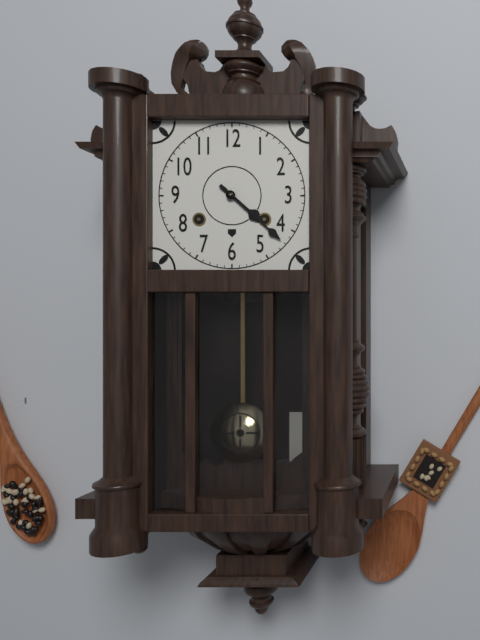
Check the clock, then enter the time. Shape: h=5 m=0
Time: h=4 m=22
